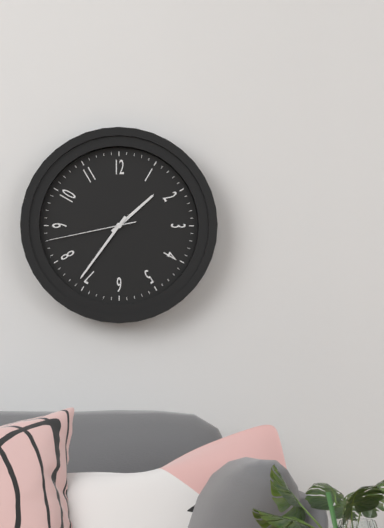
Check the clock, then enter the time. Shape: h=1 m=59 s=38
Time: h=1 m=36 s=43
